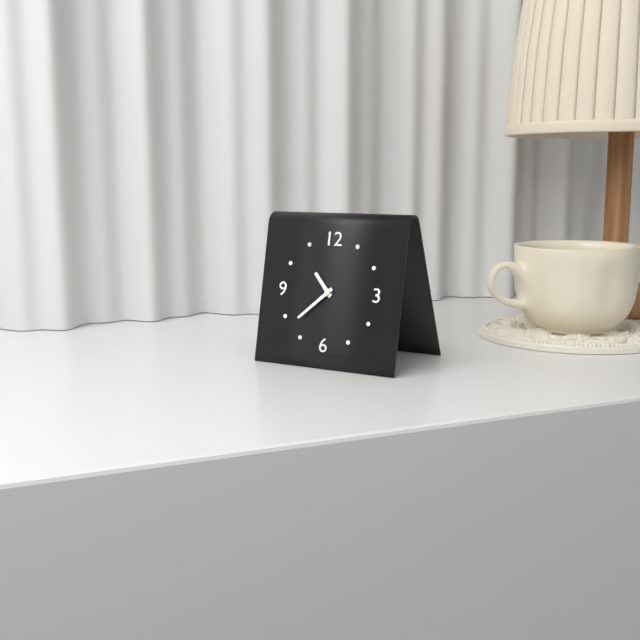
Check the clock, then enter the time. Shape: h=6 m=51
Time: h=10 m=38
